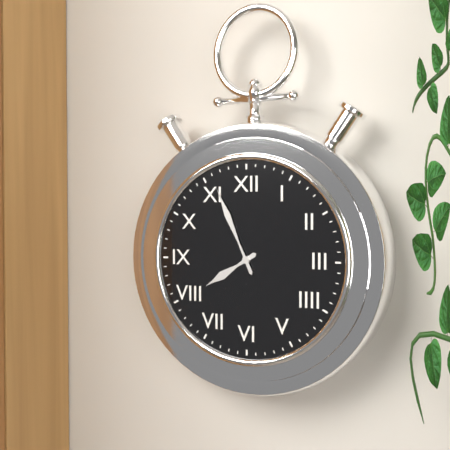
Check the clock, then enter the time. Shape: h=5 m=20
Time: h=7 m=56
